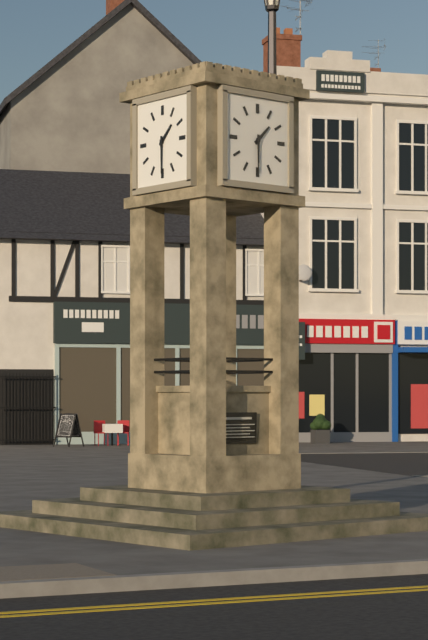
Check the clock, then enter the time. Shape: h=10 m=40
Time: h=1 m=30
